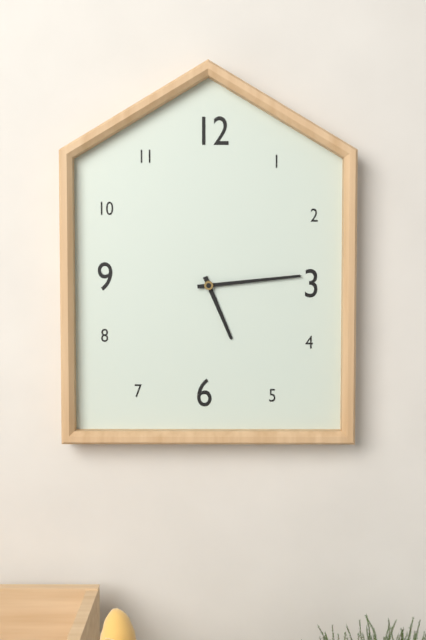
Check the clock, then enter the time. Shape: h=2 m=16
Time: h=5 m=14
